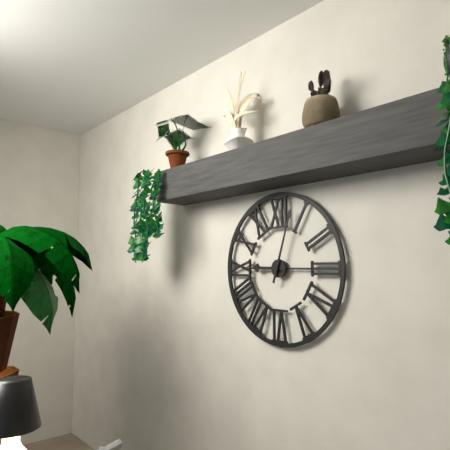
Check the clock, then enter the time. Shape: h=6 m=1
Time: h=9 m=3
